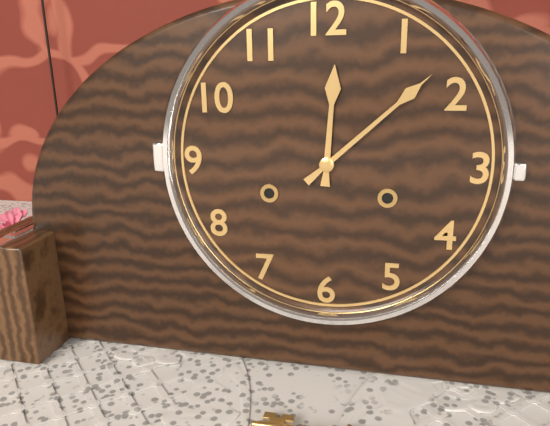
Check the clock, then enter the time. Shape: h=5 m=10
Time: h=12 m=8
